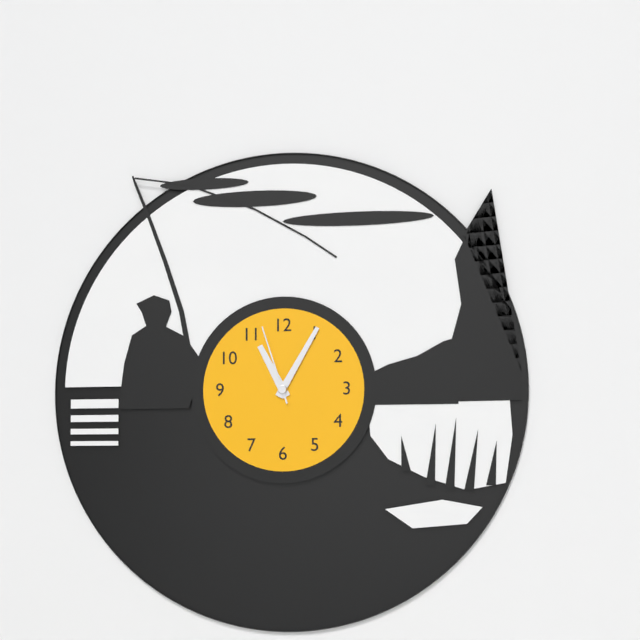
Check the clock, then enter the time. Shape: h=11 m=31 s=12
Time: h=11 m=5 s=57
